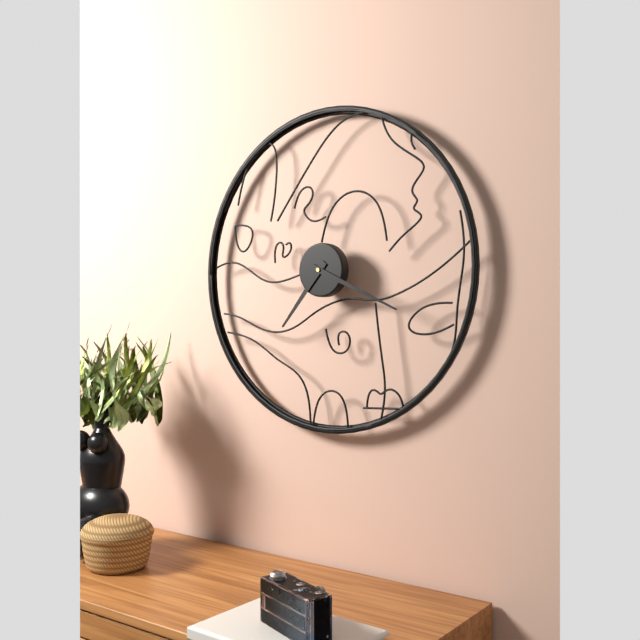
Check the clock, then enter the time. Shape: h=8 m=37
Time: h=7 m=19
